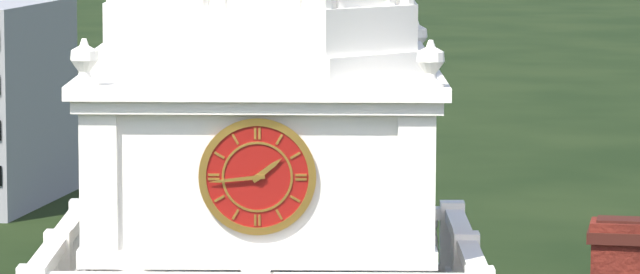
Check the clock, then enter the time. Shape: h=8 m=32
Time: h=1 m=44
